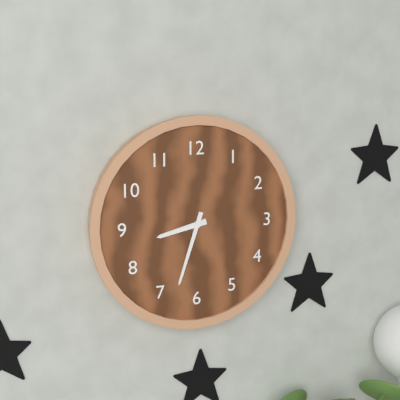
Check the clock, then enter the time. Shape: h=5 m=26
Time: h=8 m=33
